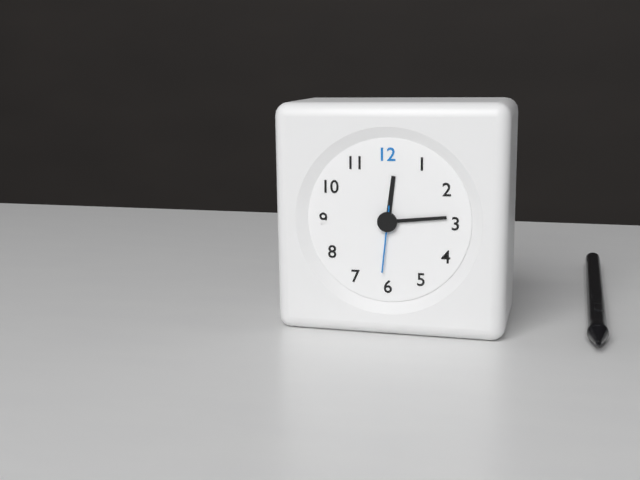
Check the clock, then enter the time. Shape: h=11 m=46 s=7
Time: h=12 m=14 s=31
